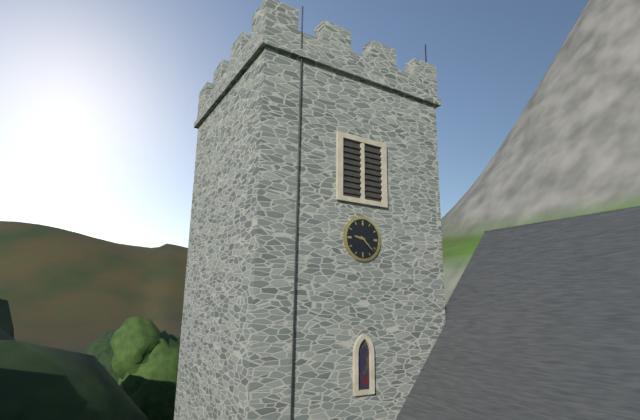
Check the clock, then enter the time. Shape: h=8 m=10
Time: h=9 m=22
